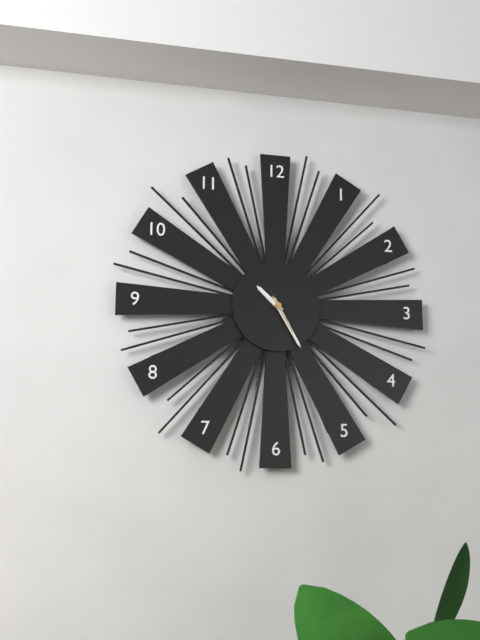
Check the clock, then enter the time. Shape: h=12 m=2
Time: h=10 m=25
